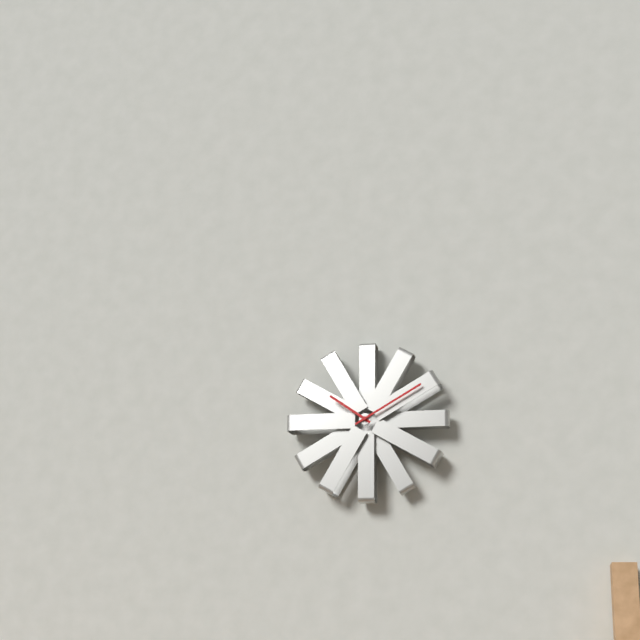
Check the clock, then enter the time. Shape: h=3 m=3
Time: h=10 m=10
